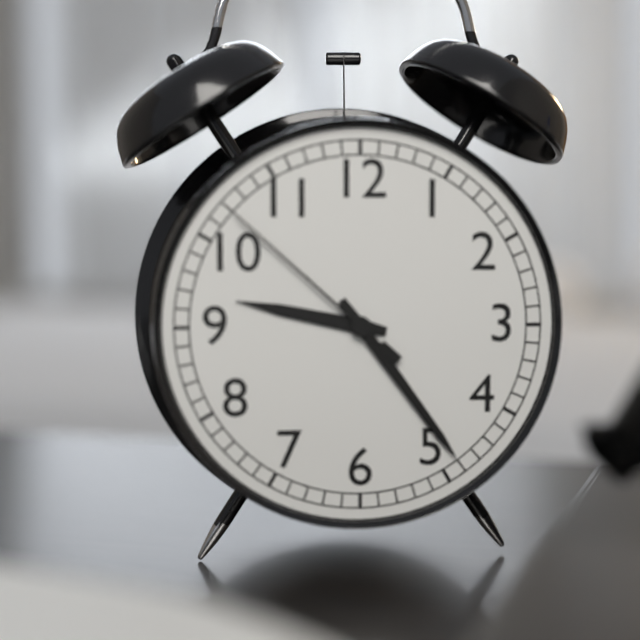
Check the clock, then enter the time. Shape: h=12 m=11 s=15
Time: h=9 m=24 s=52
